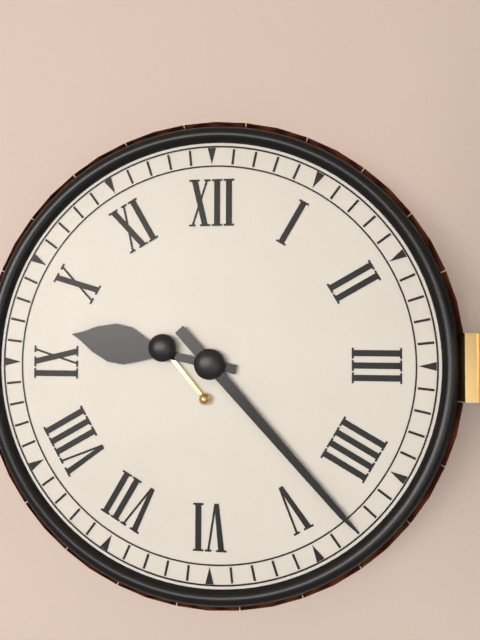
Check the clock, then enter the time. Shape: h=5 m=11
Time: h=9 m=23
